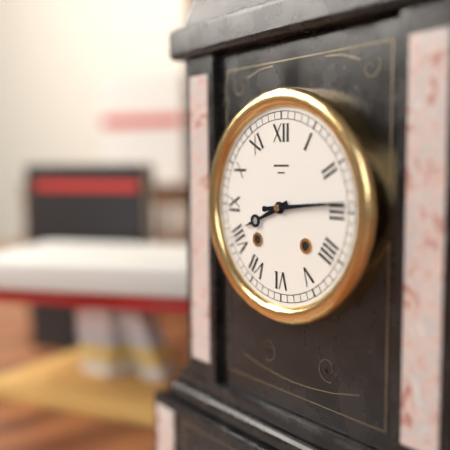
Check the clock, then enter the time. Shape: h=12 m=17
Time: h=8 m=14
